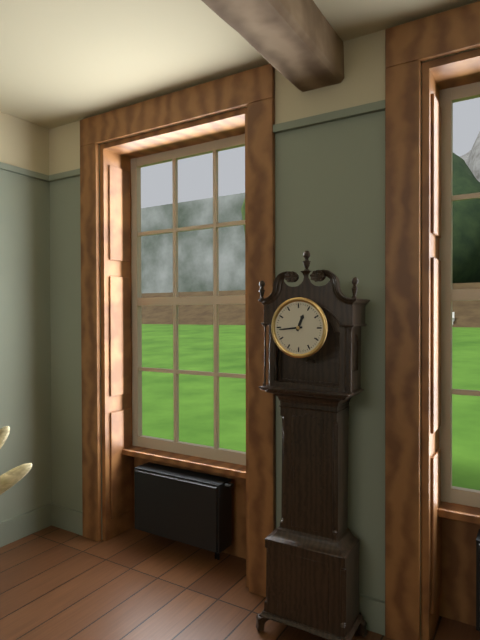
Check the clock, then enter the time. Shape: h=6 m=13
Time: h=12 m=44
